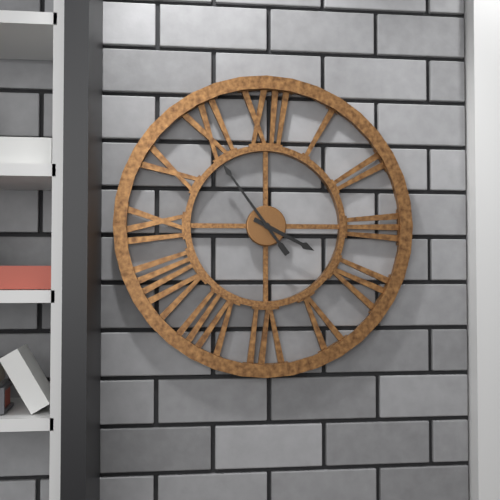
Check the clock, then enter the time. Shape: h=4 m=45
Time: h=3 m=54
